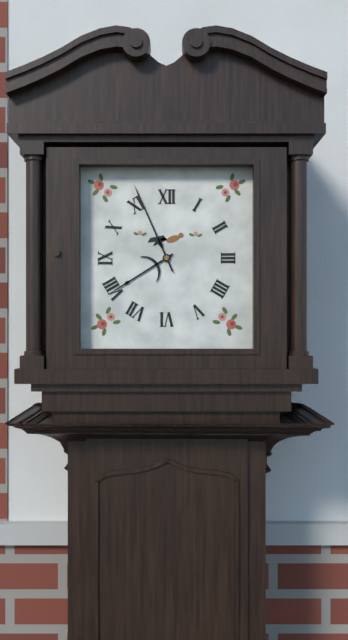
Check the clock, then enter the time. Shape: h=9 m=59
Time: h=7 m=56
